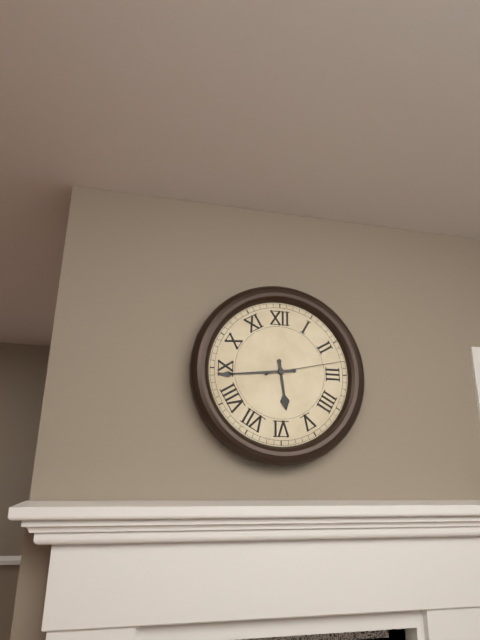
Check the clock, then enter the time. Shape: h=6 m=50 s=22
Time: h=5 m=44 s=13
